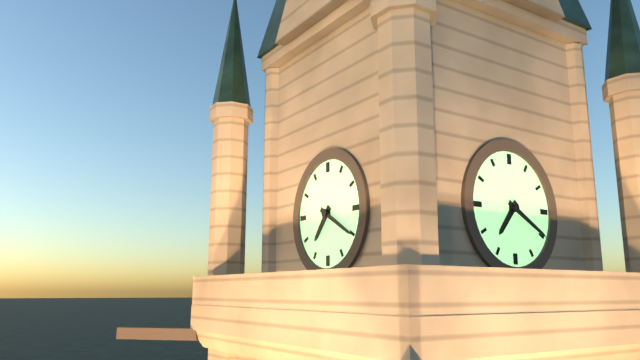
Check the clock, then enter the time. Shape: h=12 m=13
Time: h=7 m=20
